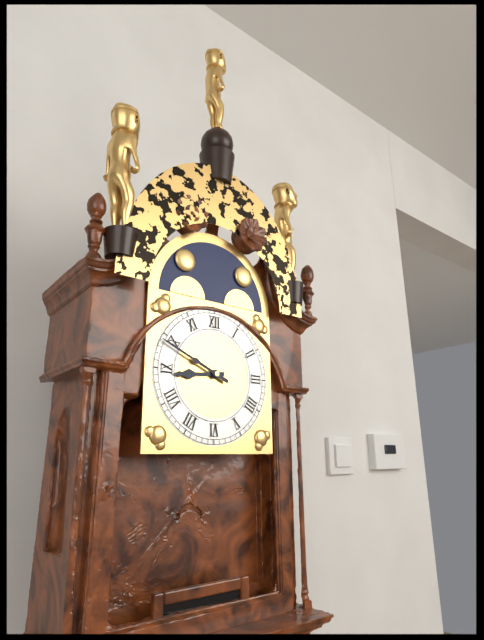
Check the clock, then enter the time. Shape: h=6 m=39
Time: h=8 m=49
